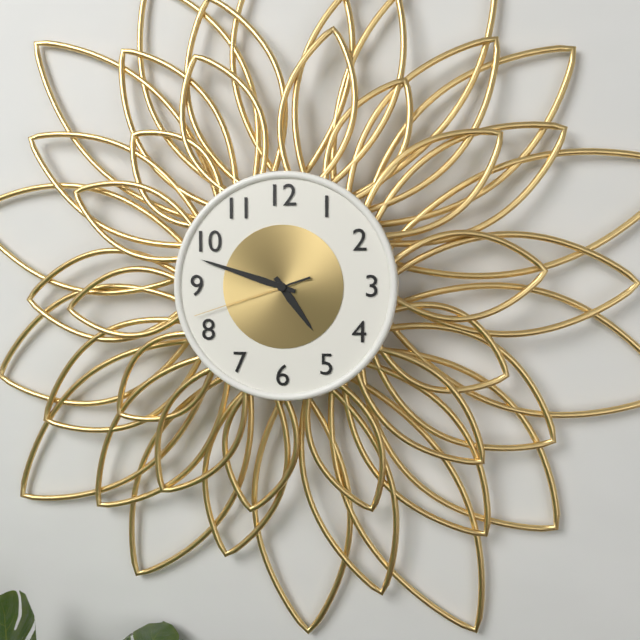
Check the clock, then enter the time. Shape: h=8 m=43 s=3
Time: h=4 m=48 s=42
